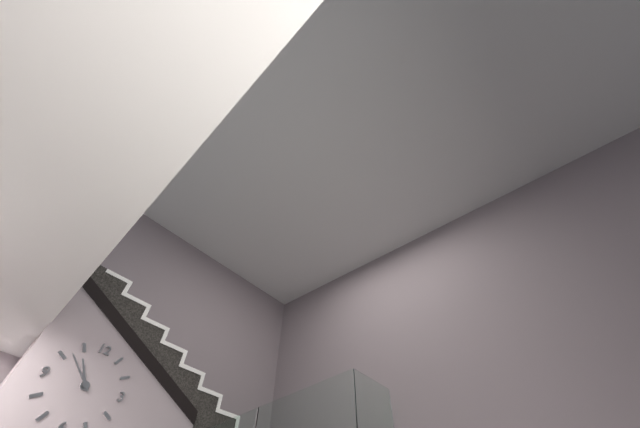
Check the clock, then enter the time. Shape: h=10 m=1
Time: h=10 m=52
